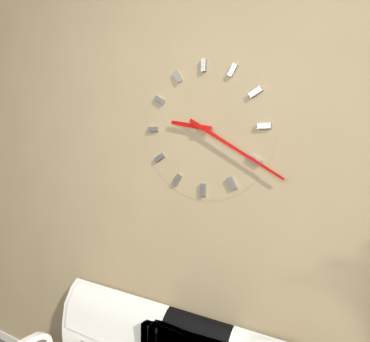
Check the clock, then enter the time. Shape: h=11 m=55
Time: h=9 m=20
